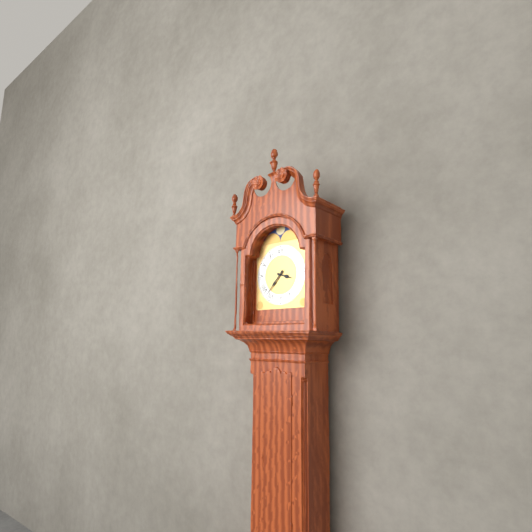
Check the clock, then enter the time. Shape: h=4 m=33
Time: h=3 m=37
